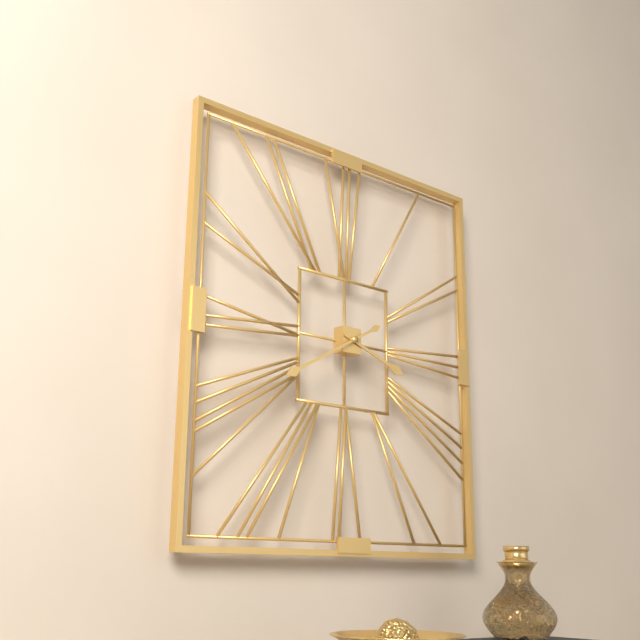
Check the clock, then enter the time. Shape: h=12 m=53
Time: h=3 m=40
